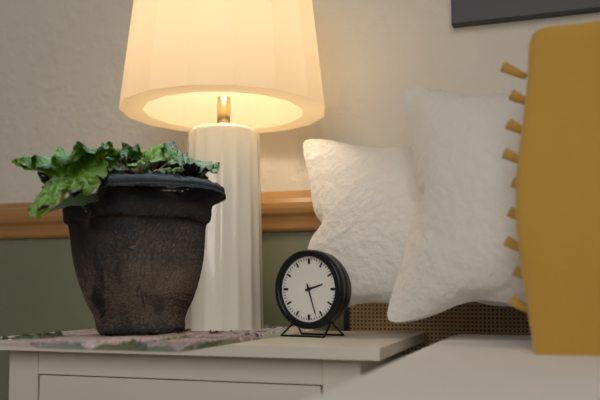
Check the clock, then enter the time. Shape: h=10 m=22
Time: h=2 m=27
